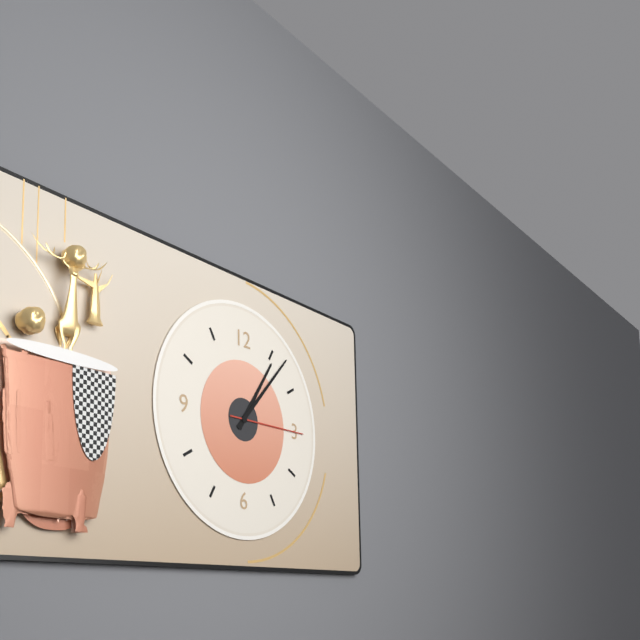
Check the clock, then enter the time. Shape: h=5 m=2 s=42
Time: h=1 m=7 s=15
